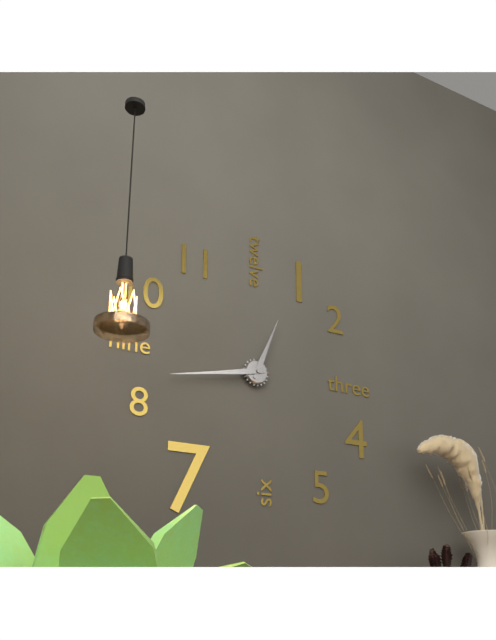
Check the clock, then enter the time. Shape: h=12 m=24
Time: h=12 m=43
